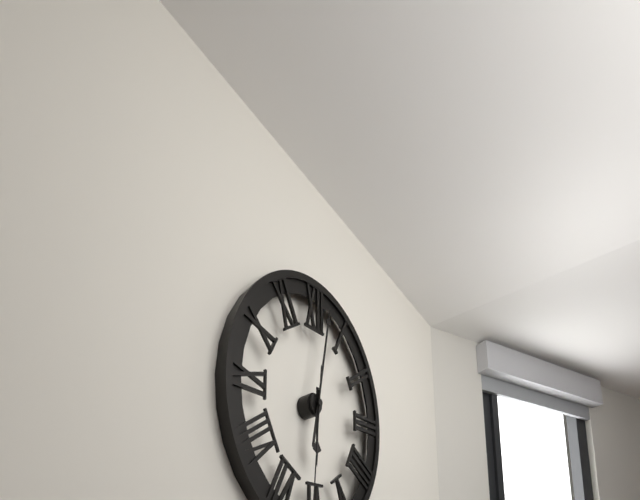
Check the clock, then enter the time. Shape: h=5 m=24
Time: h=6 m=2
